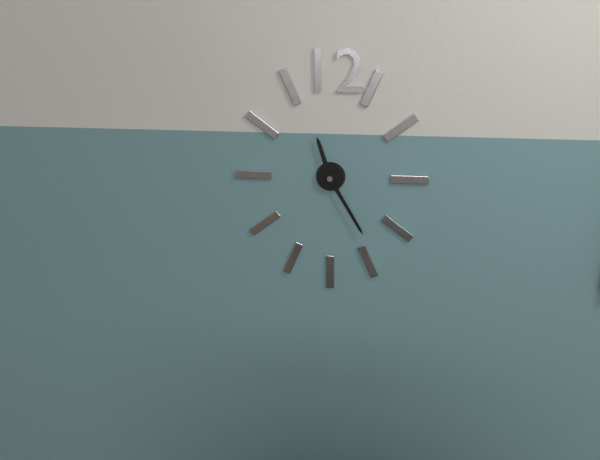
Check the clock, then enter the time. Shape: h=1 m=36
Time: h=11 m=25
